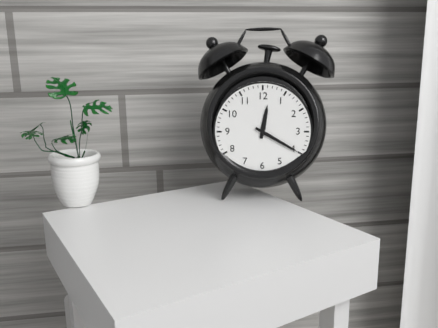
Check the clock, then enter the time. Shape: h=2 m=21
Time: h=12 m=20
